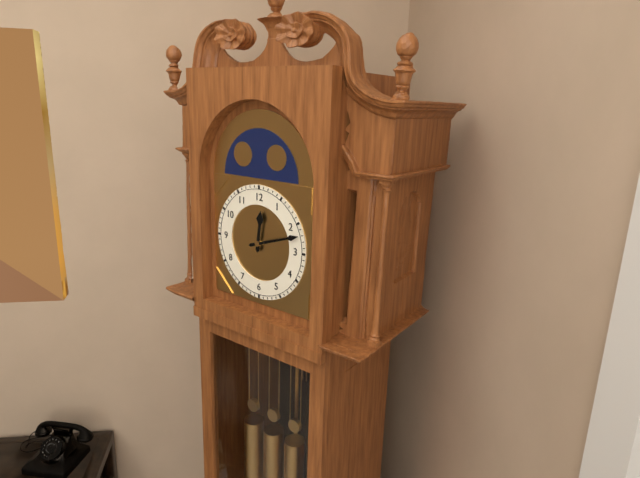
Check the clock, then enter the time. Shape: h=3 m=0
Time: h=12 m=12
